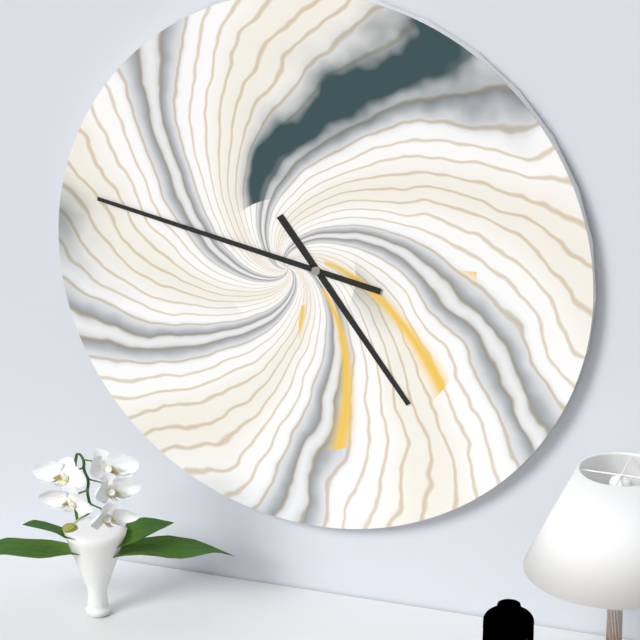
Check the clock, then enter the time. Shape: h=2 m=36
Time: h=4 m=47
